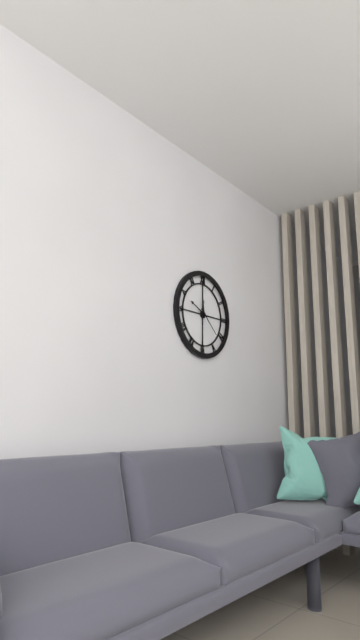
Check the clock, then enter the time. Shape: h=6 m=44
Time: h=11 m=49
